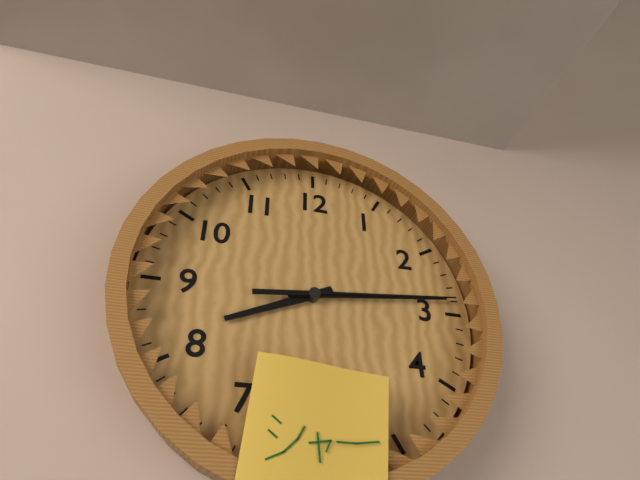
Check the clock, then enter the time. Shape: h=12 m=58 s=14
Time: h=8 m=14 s=14
